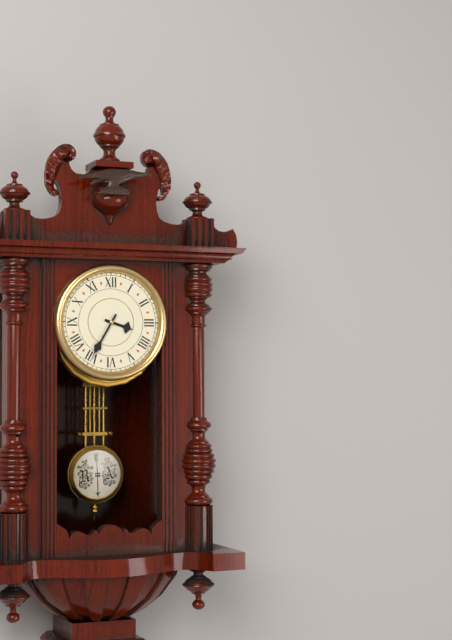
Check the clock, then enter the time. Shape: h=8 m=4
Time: h=3 m=35
